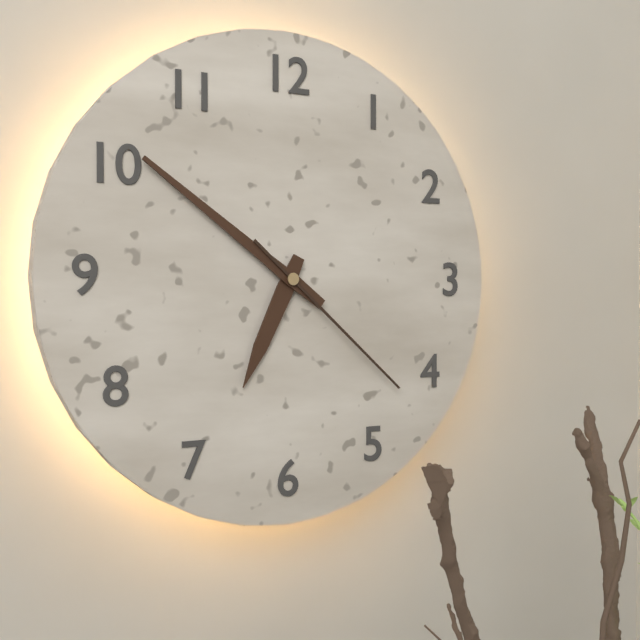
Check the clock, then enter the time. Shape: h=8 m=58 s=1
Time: h=6 m=51 s=22
